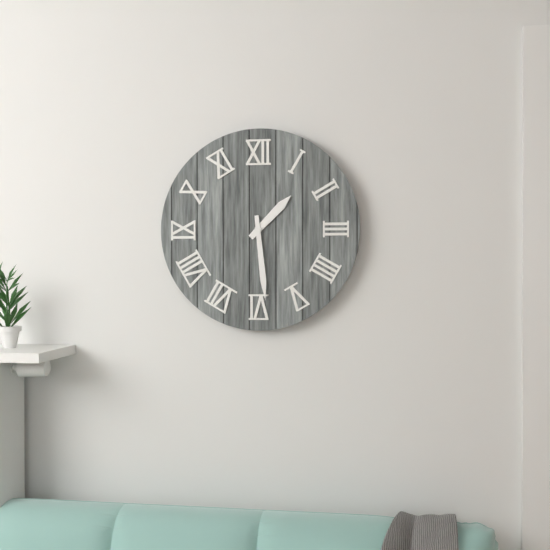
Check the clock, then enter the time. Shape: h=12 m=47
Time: h=1 m=29
